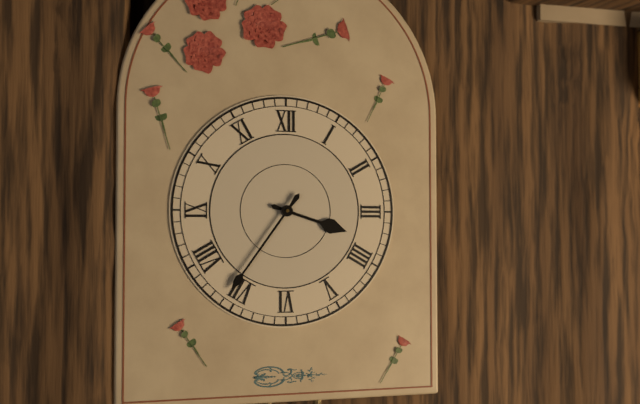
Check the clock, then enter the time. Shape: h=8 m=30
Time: h=3 m=36
